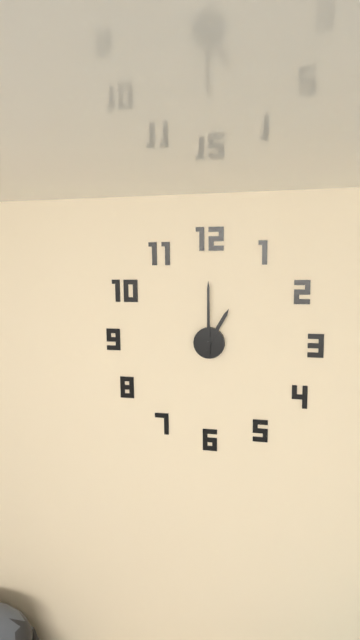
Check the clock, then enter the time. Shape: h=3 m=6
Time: h=1 m=0
